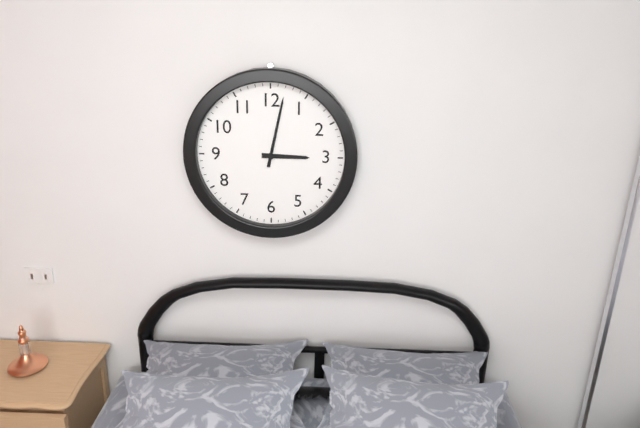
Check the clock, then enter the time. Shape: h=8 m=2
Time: h=3 m=2
